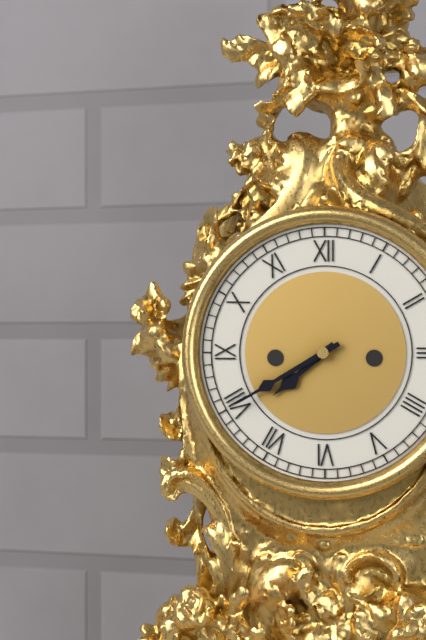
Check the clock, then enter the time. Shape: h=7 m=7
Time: h=7 m=40
